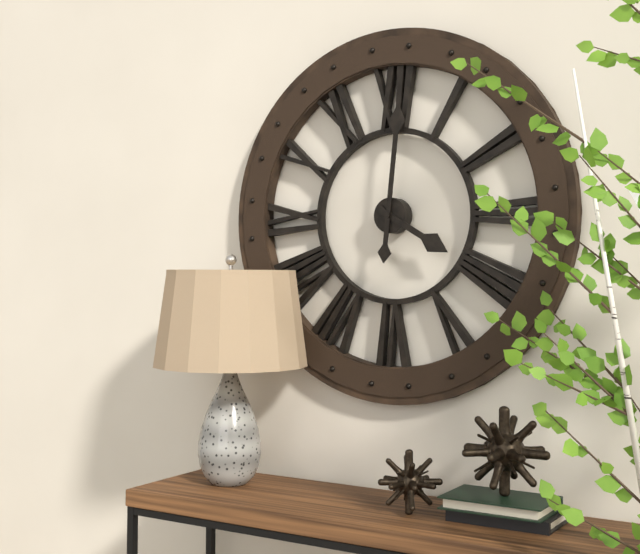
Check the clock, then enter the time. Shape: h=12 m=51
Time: h=4 m=1
